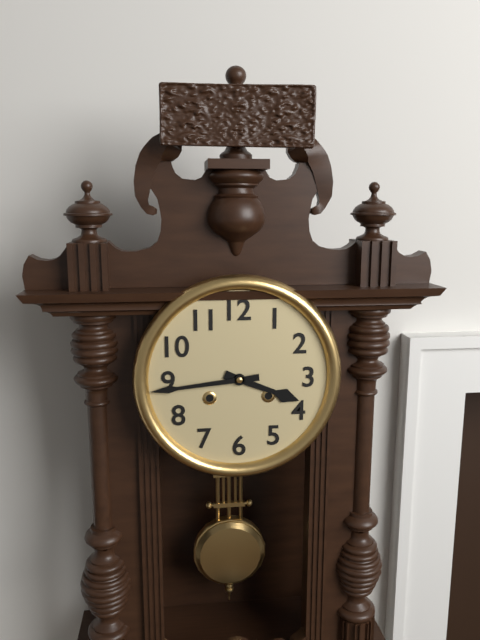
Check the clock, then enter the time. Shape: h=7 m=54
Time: h=3 m=44
